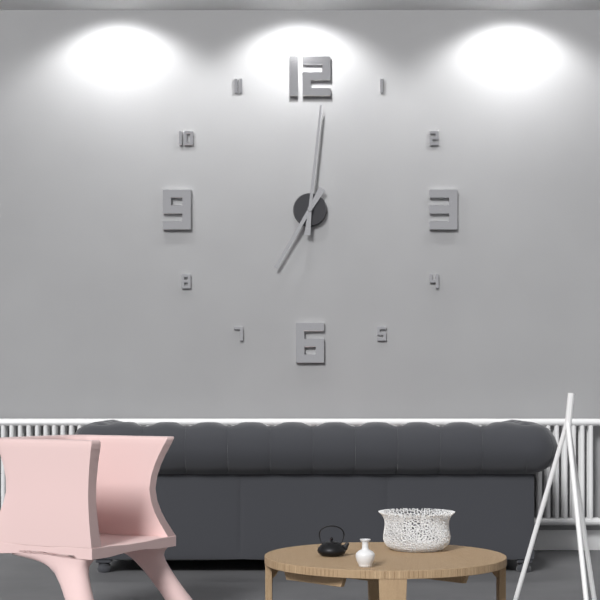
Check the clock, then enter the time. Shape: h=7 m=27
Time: h=7 m=1
